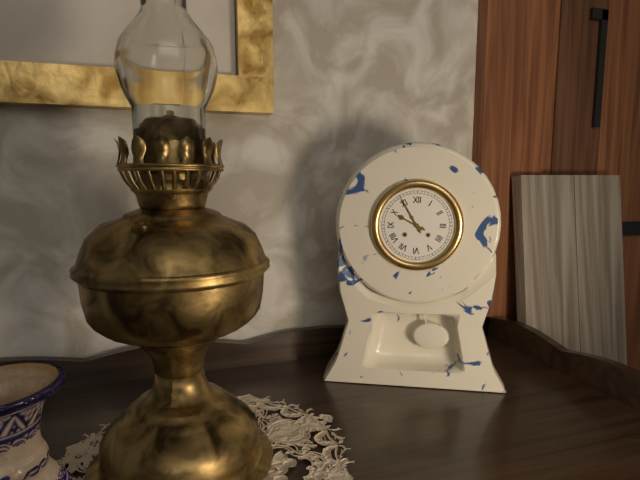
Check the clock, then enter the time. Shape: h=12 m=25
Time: h=9 m=55
